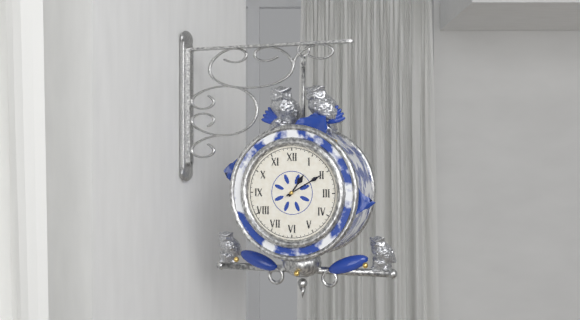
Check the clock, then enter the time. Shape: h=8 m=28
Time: h=1 m=10
